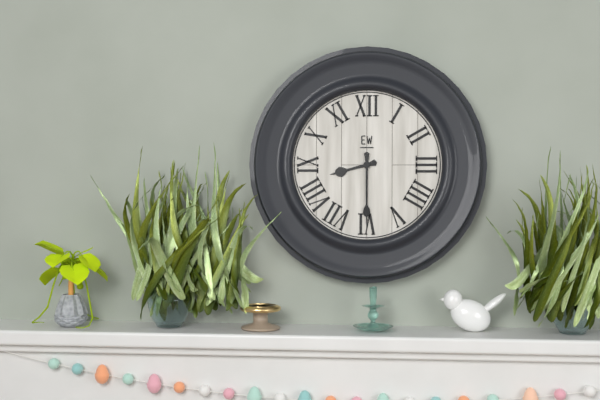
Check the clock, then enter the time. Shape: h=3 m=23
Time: h=8 m=30
